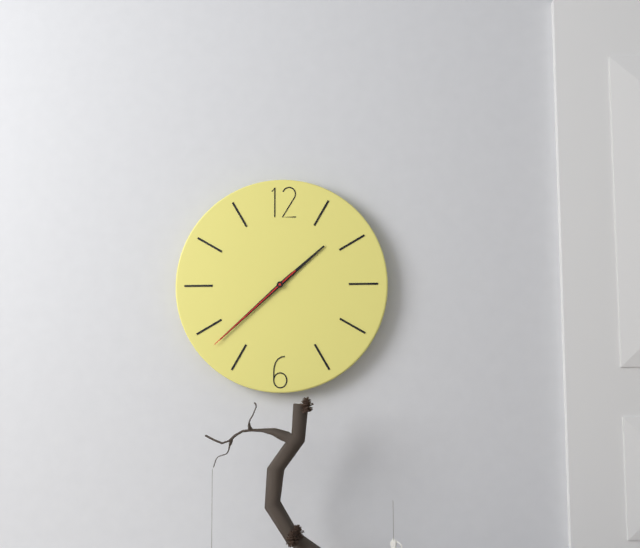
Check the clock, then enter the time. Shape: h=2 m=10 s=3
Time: h=1 m=38 s=38
